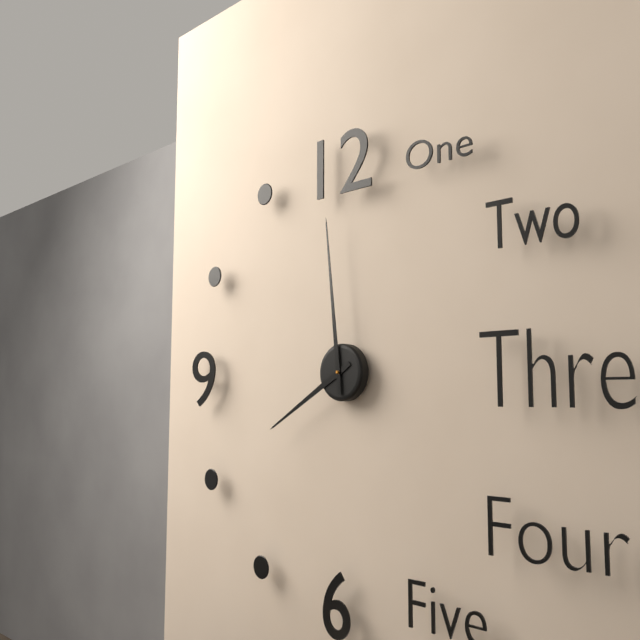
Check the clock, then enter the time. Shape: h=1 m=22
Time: h=7 m=59
